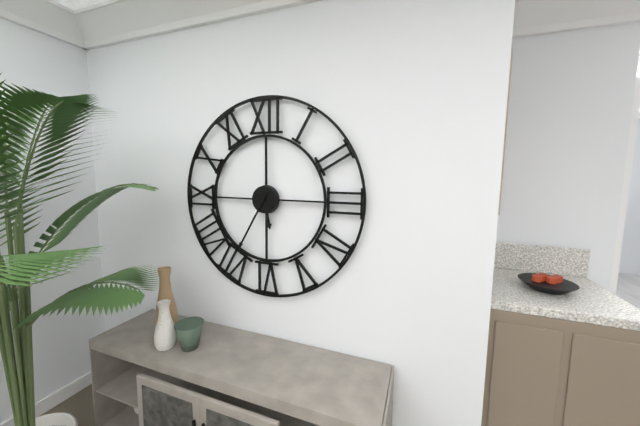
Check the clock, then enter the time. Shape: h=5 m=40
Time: h=5 m=35
